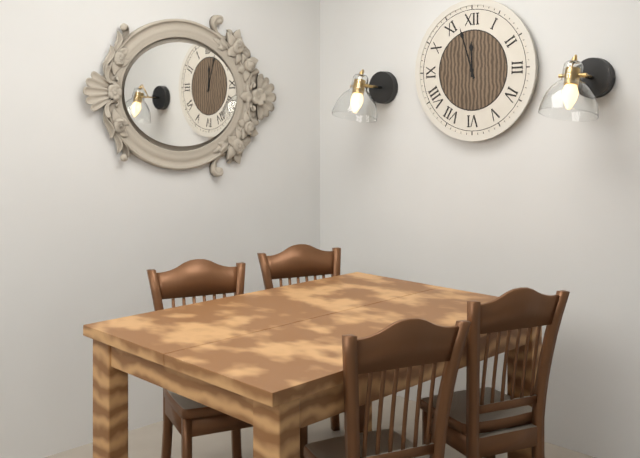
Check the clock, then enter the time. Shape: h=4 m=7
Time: h=11 m=57
